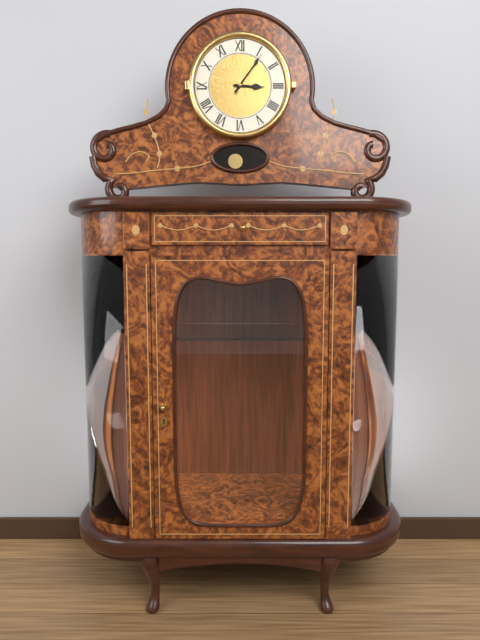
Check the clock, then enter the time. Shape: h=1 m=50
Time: h=3 m=6
